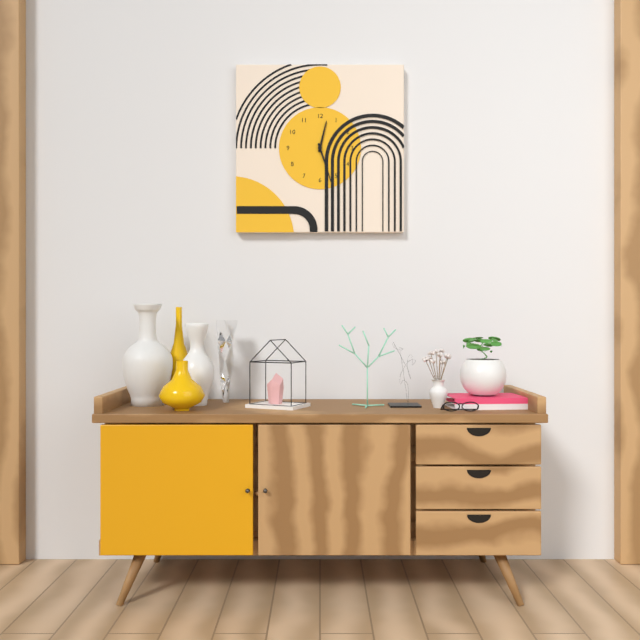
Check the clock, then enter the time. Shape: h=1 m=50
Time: h=12 m=27
